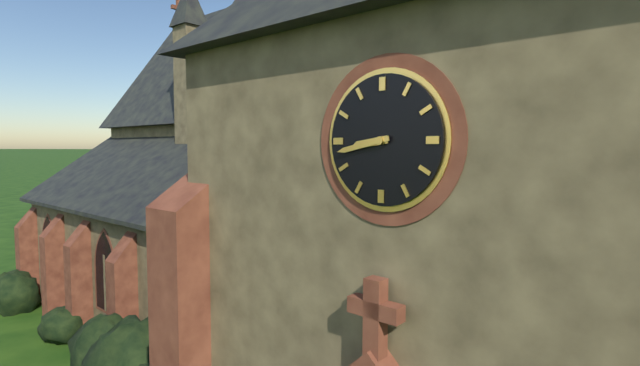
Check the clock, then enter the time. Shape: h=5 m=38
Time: h=8 m=43
